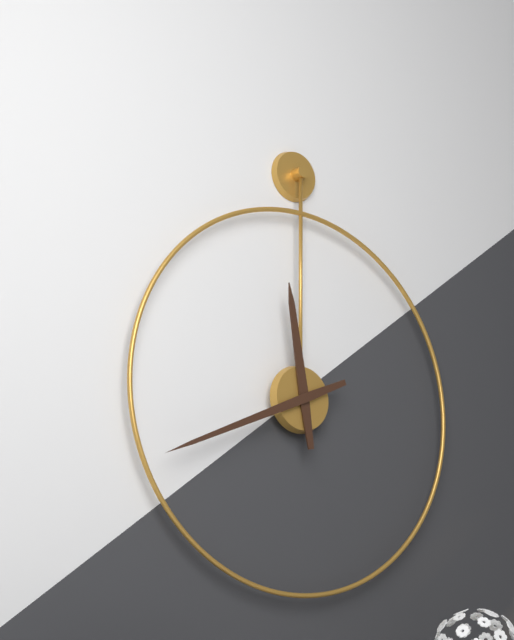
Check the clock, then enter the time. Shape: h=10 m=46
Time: h=11 m=41
